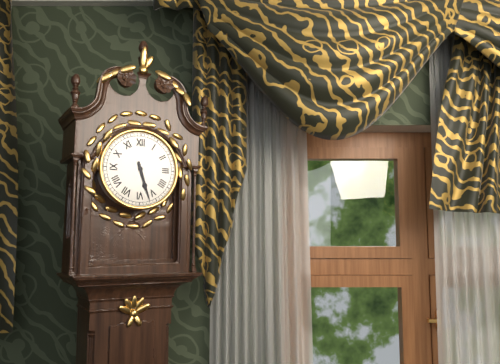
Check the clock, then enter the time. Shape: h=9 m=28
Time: h=5 m=27
